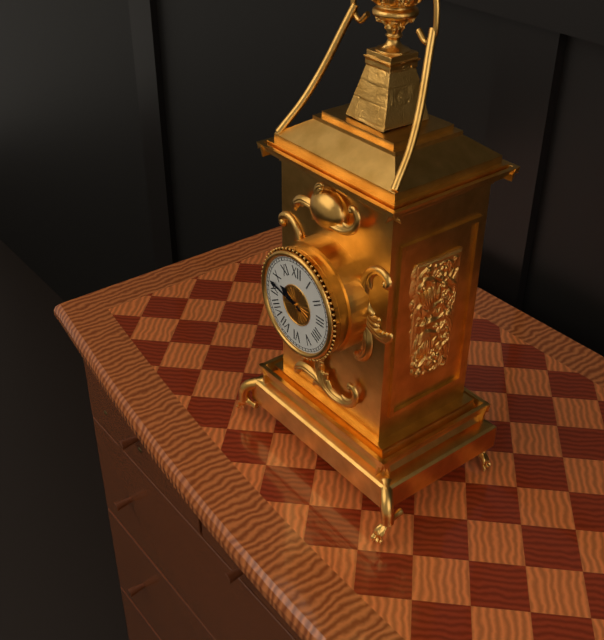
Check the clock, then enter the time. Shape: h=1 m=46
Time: h=9 m=47
